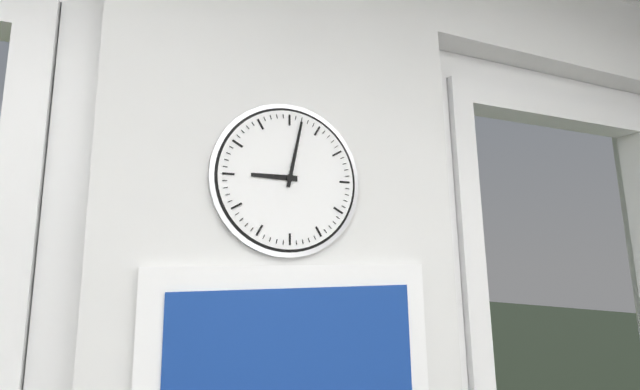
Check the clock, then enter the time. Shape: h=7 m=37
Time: h=9 m=2
